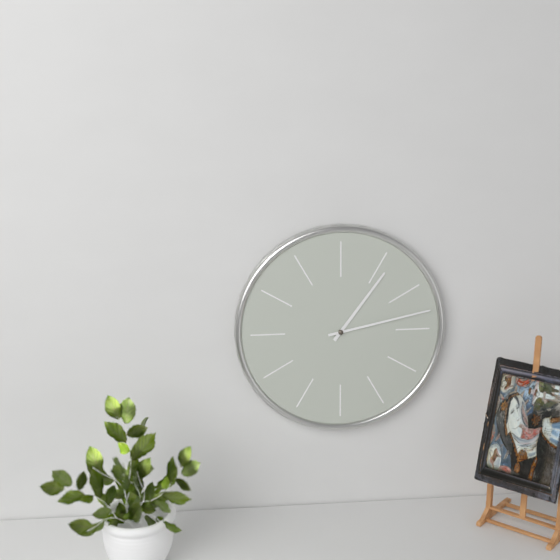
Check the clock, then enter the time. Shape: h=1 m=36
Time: h=1 m=13
